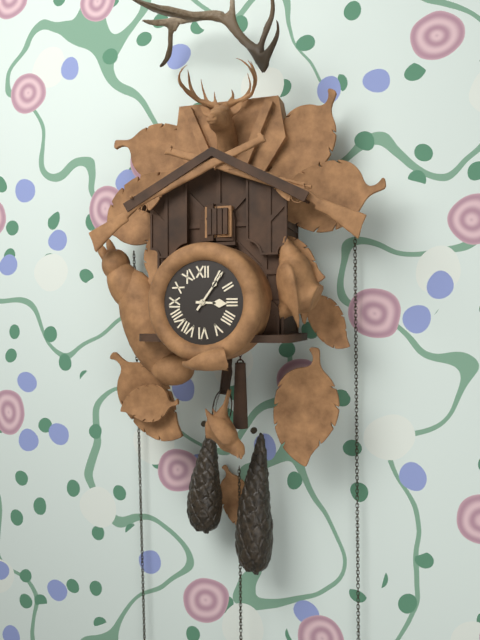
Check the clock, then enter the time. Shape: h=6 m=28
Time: h=3 m=6
